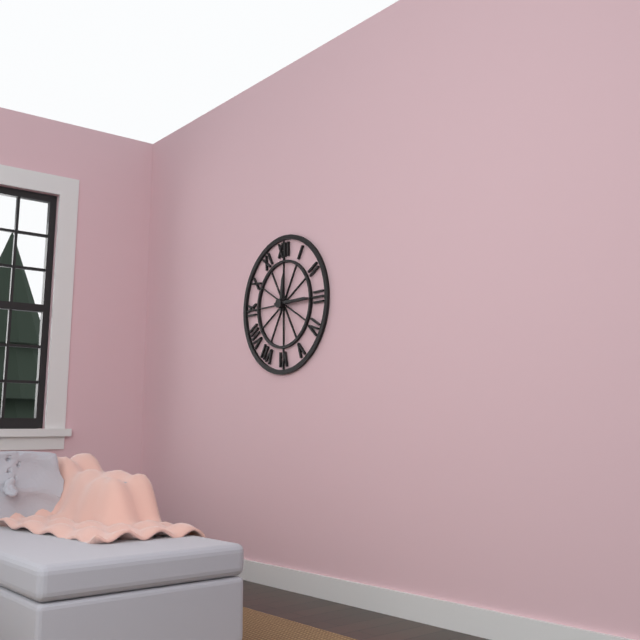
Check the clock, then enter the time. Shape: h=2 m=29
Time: h=12 m=15
